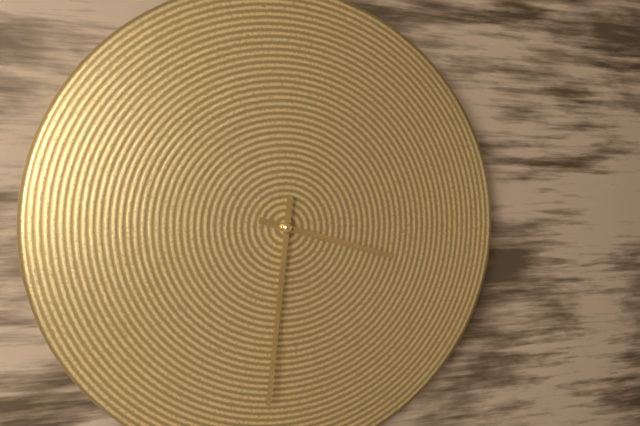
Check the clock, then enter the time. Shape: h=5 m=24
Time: h=3 m=31
